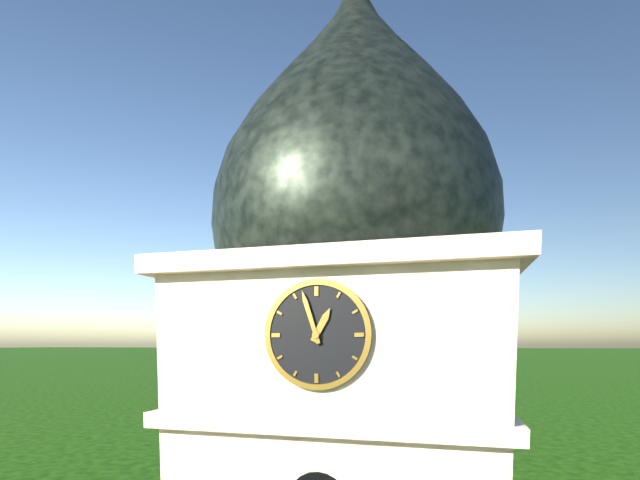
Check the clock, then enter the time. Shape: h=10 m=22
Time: h=12 m=57
